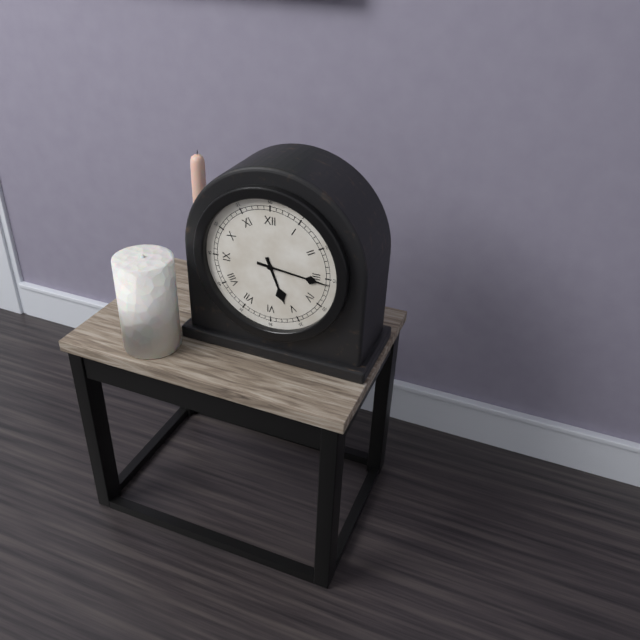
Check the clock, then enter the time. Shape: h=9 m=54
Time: h=5 m=16
